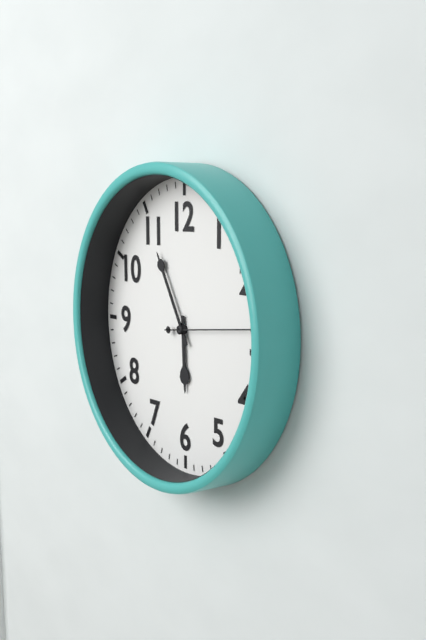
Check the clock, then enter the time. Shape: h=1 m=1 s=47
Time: h=5 m=55 s=14
